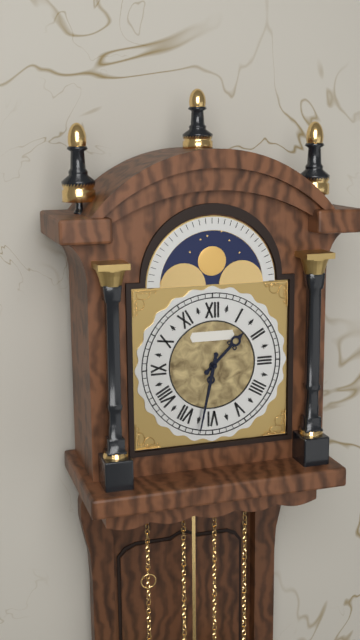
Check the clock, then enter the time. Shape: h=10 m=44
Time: h=1 m=32
